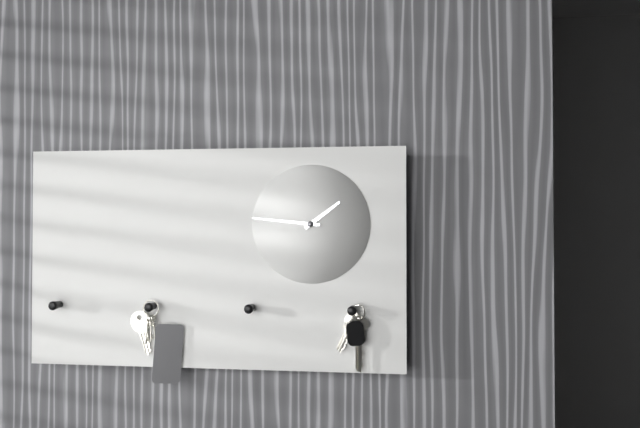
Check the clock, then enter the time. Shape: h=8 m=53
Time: h=1 m=46
